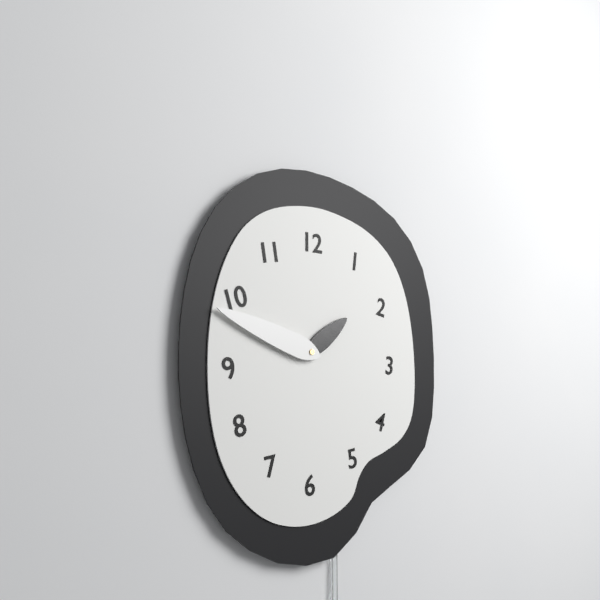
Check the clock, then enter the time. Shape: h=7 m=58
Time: h=1 m=48
